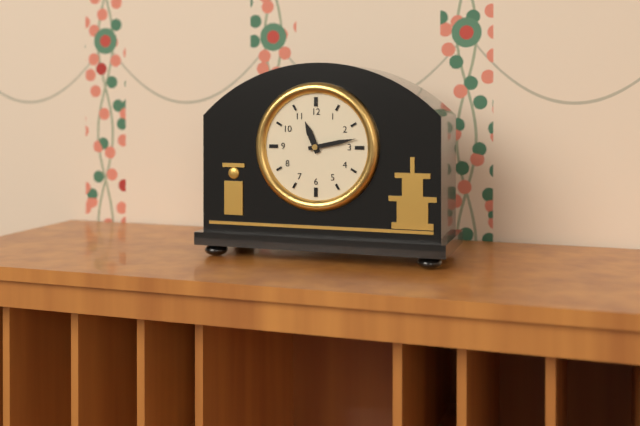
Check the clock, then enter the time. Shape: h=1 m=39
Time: h=11 m=13
